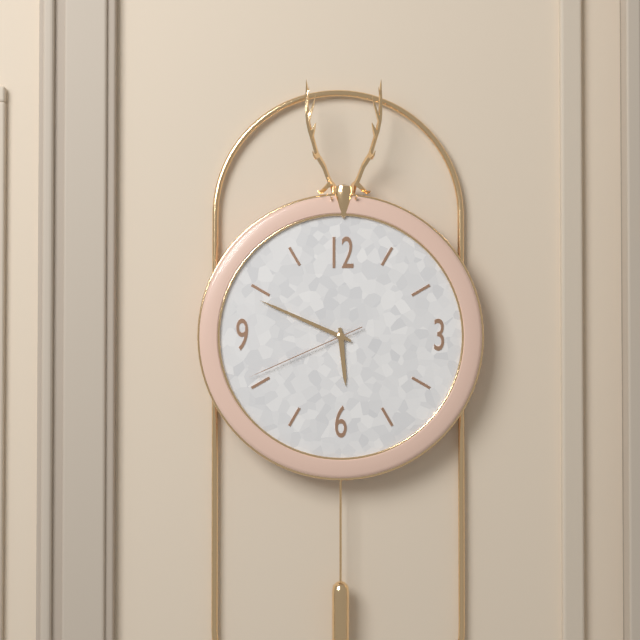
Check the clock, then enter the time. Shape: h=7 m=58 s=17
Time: h=5 m=49 s=41
